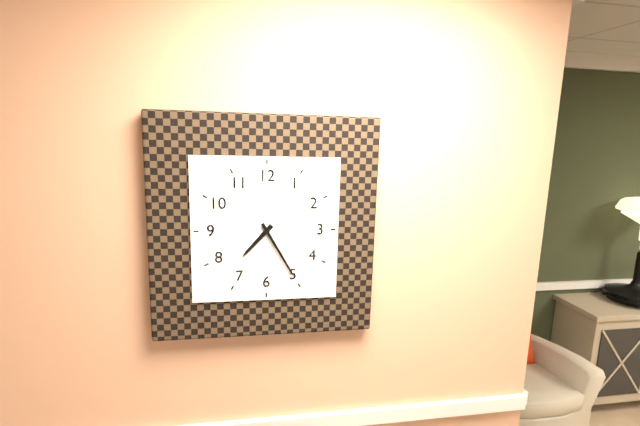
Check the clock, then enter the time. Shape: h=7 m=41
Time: h=7 m=25
